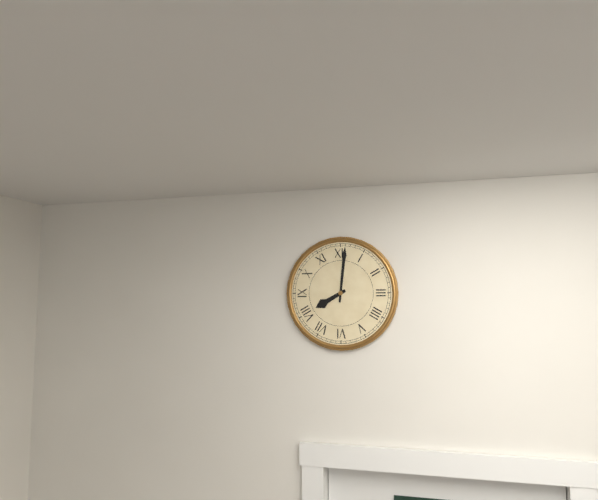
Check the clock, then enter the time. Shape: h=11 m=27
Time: h=8 m=1
